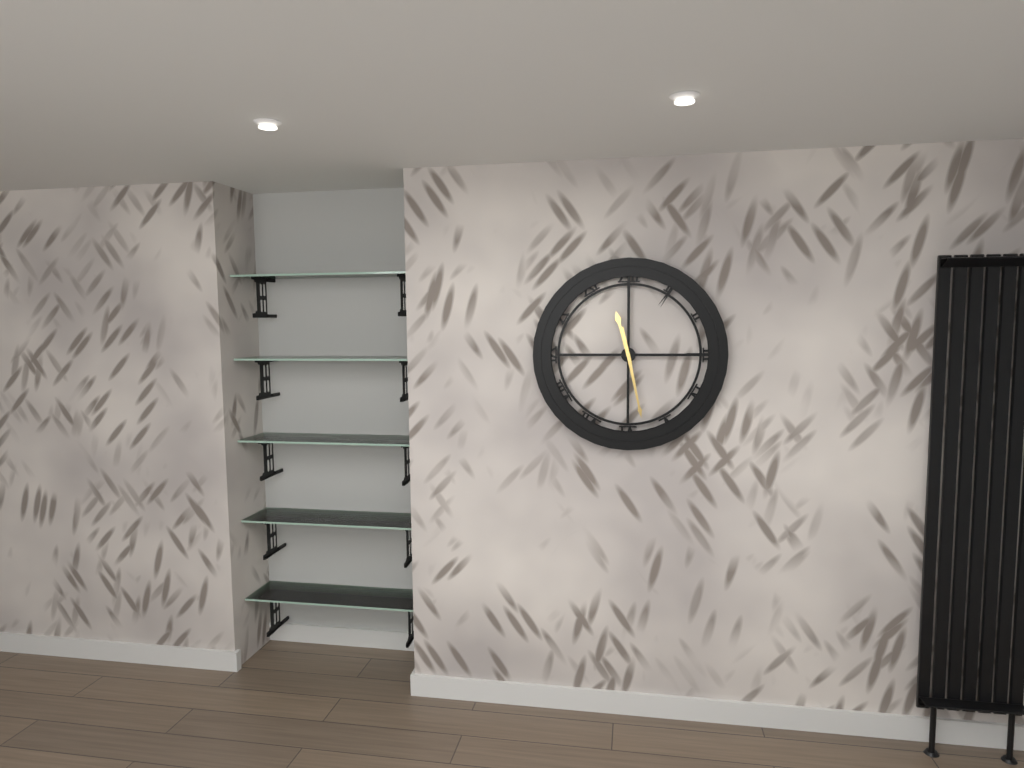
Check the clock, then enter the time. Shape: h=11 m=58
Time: h=11 m=28
